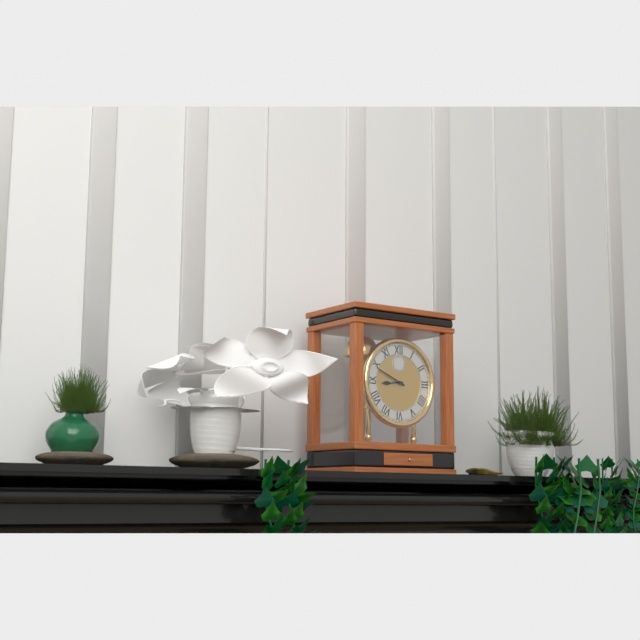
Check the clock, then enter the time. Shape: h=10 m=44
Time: h=8 m=49
